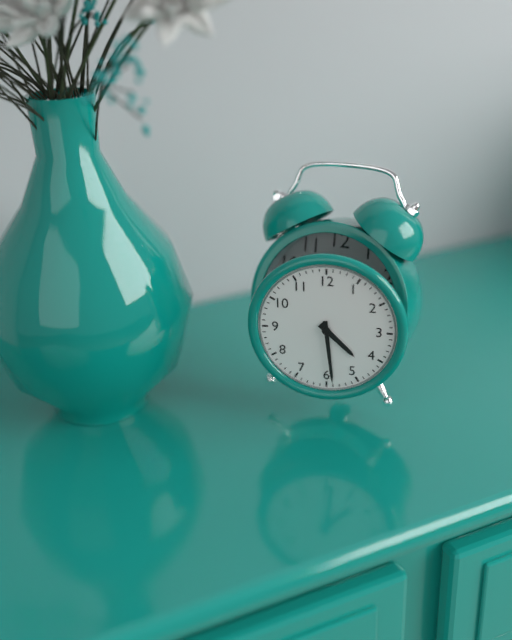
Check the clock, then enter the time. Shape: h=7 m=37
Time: h=4 m=29
